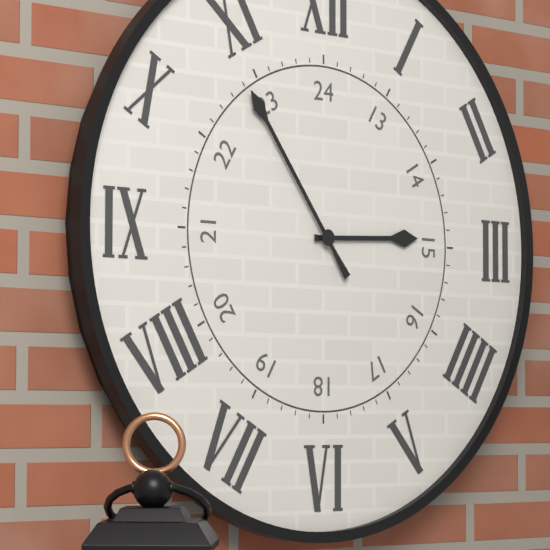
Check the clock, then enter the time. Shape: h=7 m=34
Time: h=2 m=54
